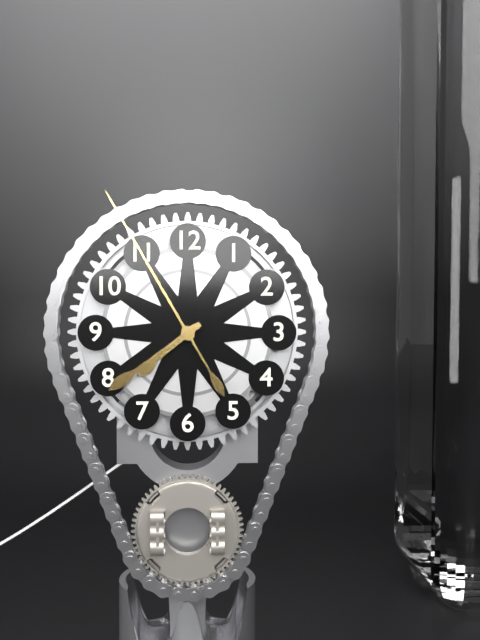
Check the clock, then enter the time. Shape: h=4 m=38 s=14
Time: h=7 m=39 s=55
